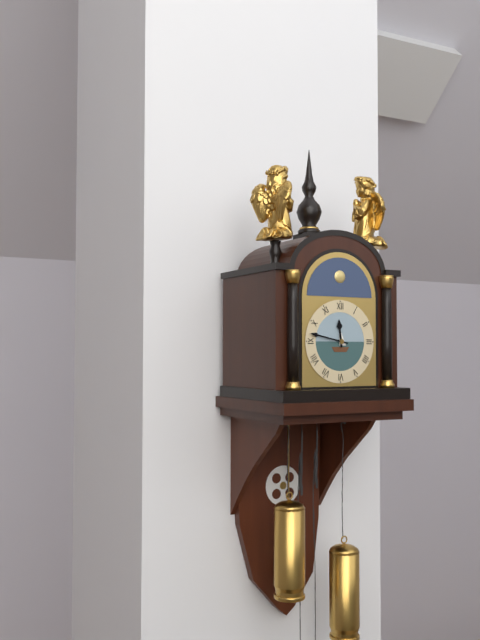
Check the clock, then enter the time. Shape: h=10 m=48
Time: h=11 m=47
